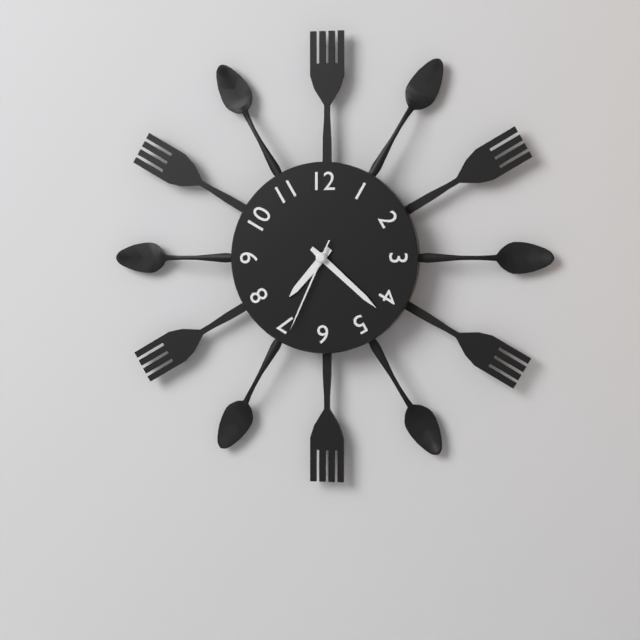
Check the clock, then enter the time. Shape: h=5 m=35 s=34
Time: h=7 m=22 s=34
